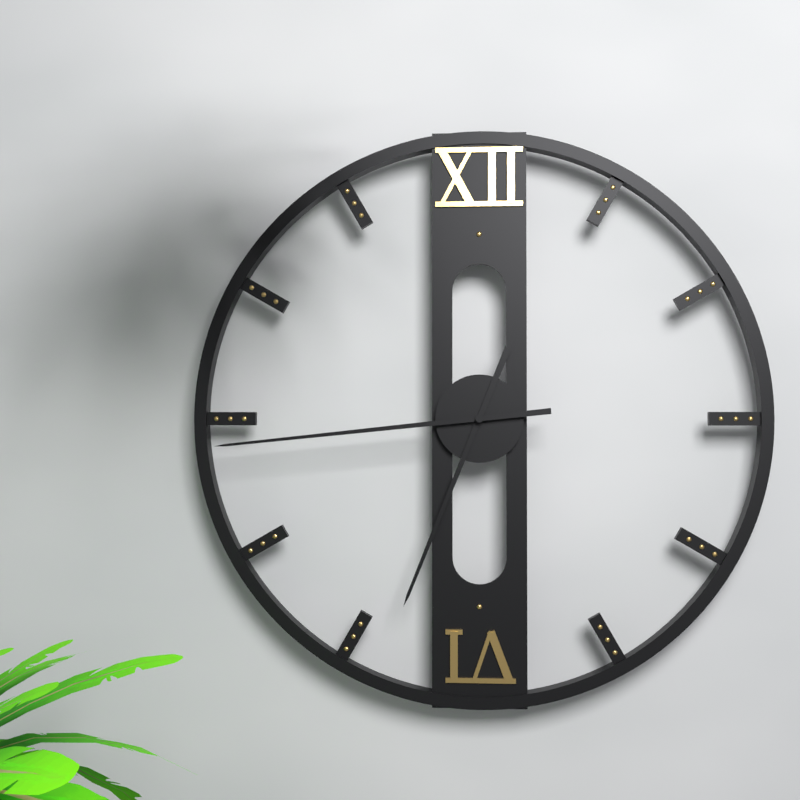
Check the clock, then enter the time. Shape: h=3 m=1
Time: h=6 m=44
